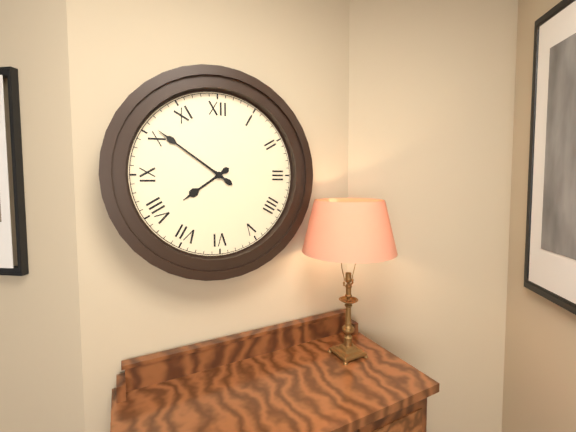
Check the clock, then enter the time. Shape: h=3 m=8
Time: h=7 m=51
